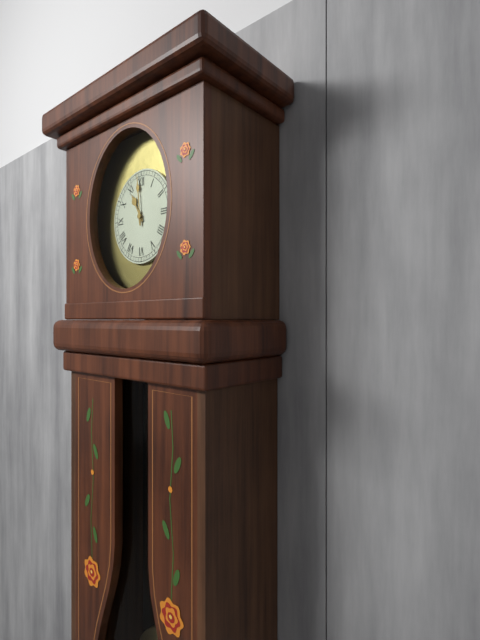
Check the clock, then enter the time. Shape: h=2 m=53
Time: h=10 m=59
